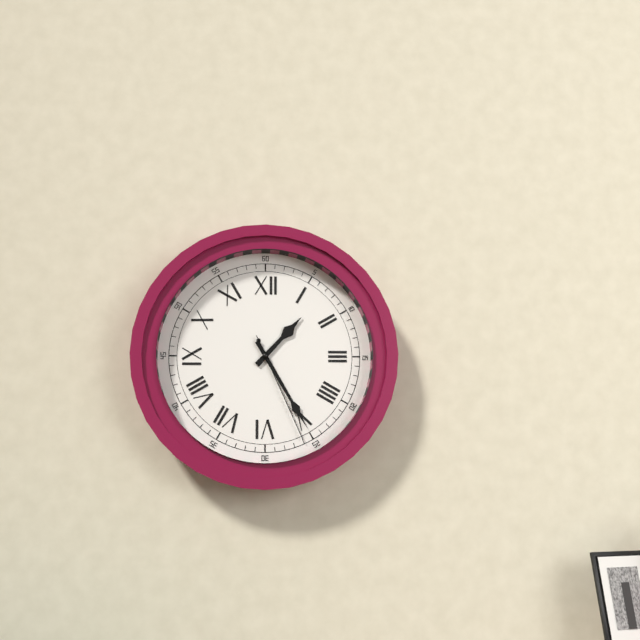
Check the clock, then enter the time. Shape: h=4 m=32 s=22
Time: h=1 m=25 s=26
